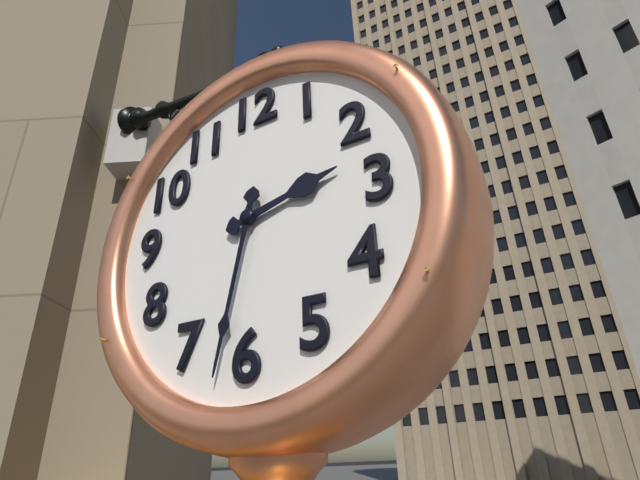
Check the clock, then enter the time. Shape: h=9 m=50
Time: h=2 m=32
